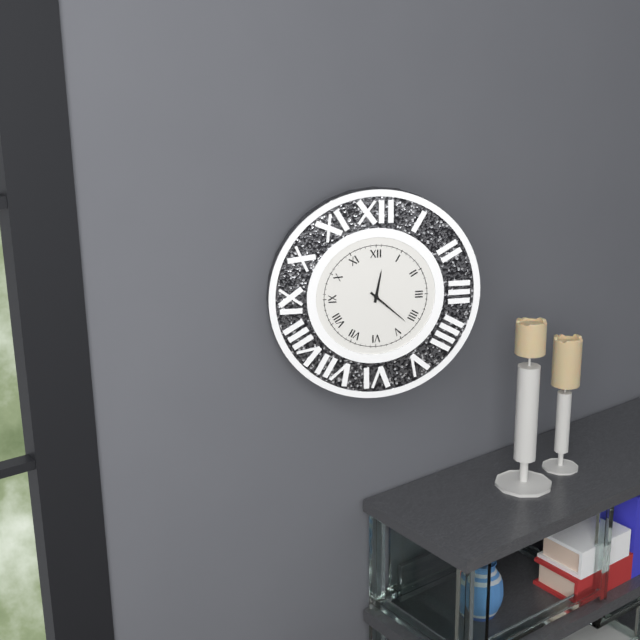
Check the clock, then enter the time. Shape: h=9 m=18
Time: h=12 m=22
